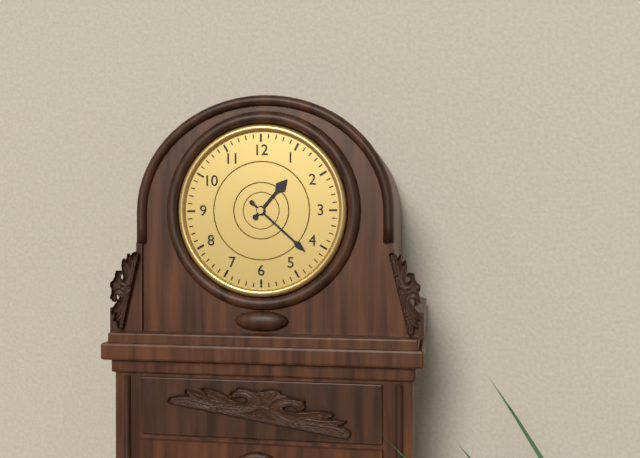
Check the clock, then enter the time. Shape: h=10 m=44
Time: h=1 m=22
